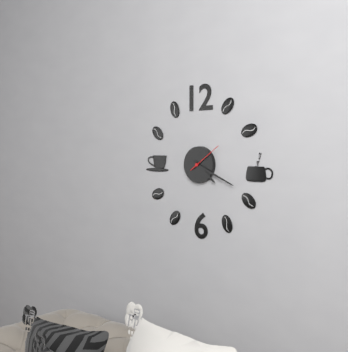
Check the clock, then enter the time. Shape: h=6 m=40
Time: h=4 m=19
